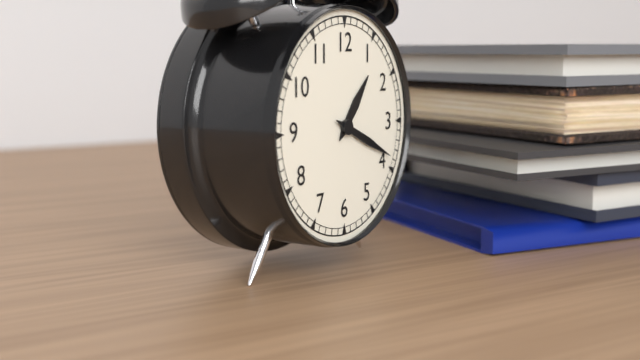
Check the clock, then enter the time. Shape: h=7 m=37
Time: h=1 m=19
